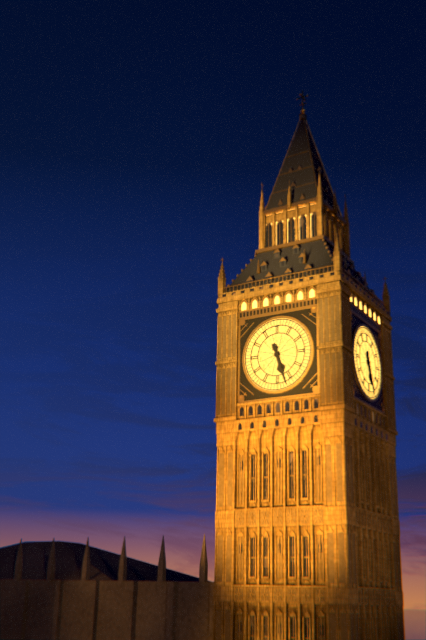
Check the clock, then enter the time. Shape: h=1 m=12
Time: h=5 m=27
